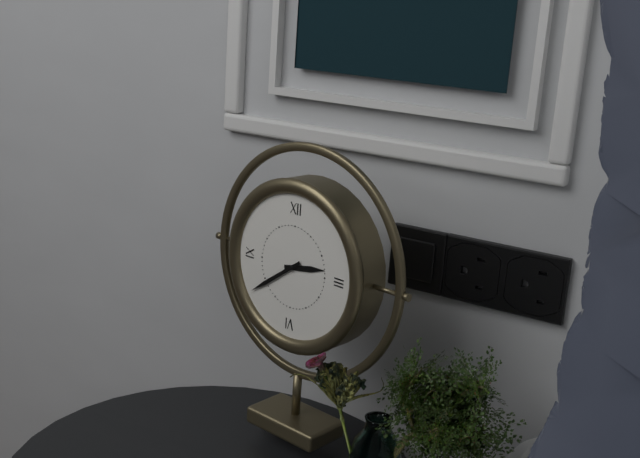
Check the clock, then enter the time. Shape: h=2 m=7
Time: h=2 m=39
